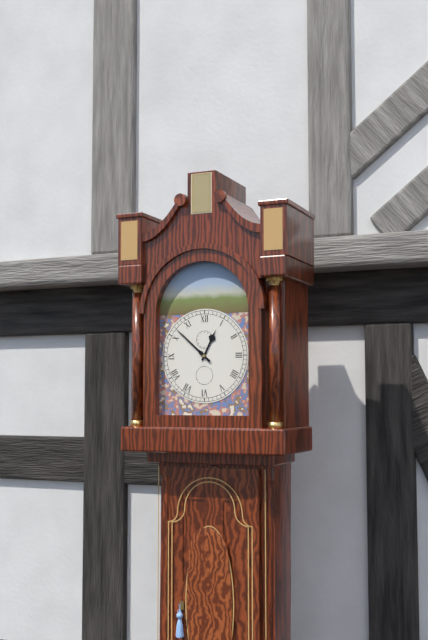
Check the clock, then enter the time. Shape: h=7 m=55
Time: h=12 m=52
